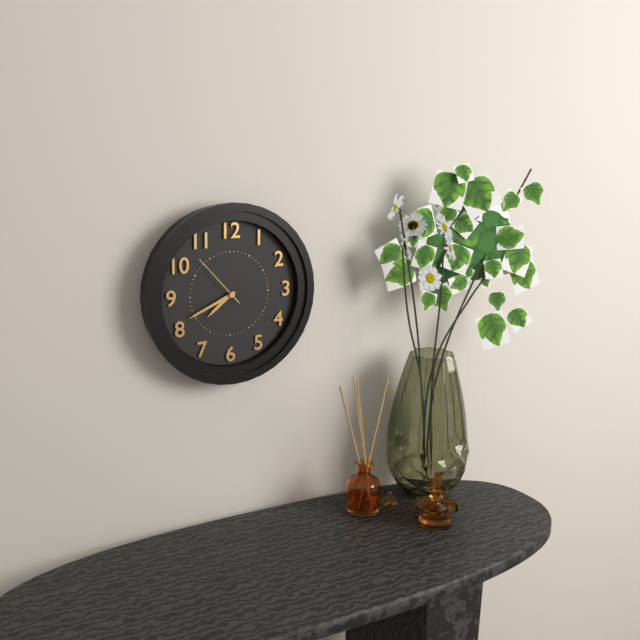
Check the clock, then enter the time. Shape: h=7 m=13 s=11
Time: h=7 m=41 s=53
